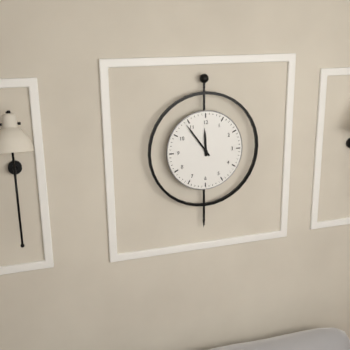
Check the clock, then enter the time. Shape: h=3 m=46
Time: h=11 m=54
